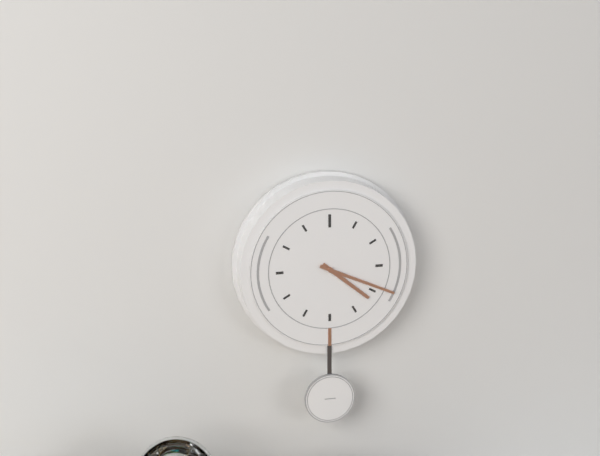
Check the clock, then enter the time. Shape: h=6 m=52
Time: h=4 m=19
